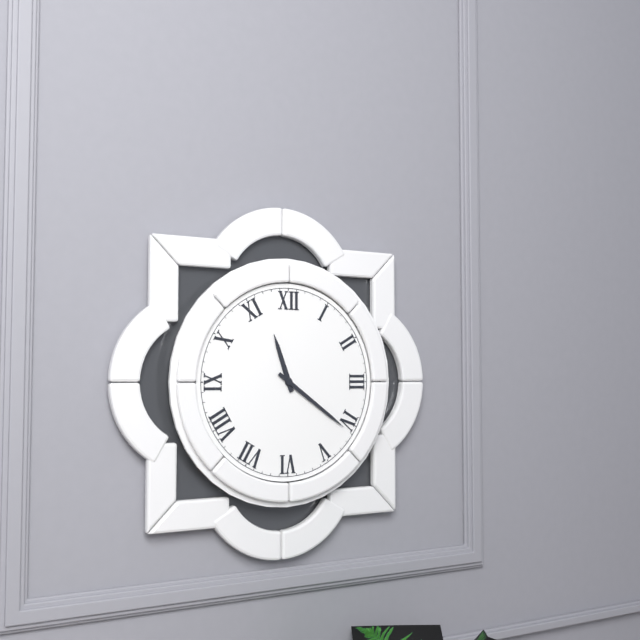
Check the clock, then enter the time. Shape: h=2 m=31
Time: h=11 m=21
